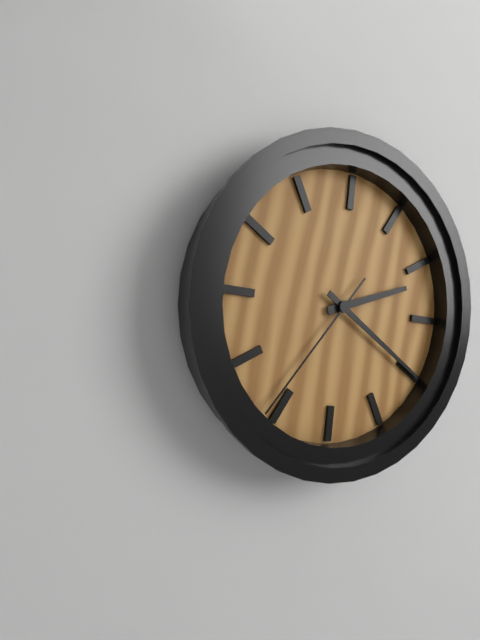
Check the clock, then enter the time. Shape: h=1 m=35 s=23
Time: h=2 m=20 s=36
